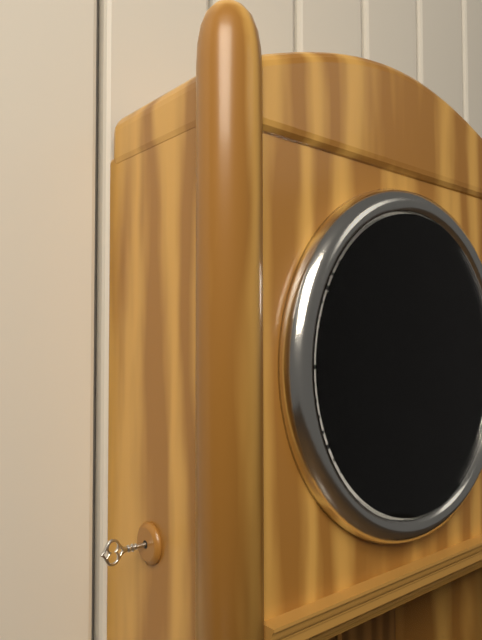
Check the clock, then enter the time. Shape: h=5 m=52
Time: h=8 m=46
